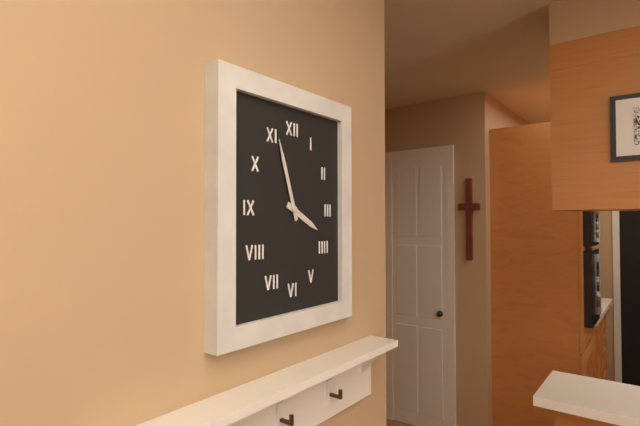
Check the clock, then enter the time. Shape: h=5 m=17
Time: h=3 m=57
